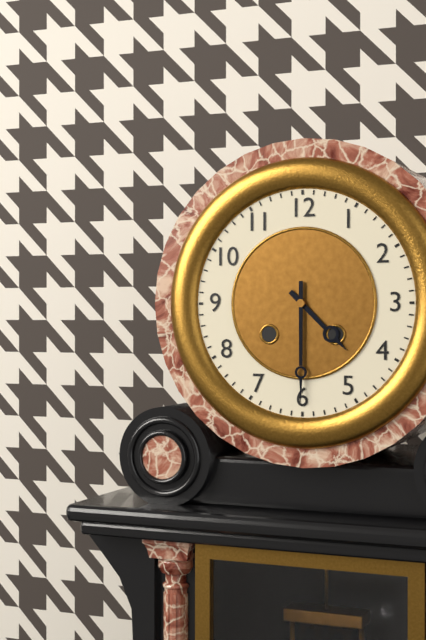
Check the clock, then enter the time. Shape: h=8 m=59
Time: h=4 m=30
